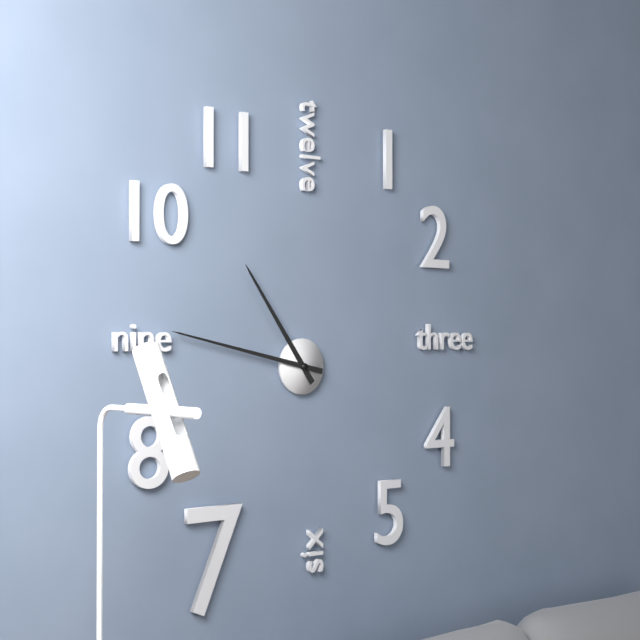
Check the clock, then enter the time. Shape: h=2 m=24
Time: h=10 m=47
